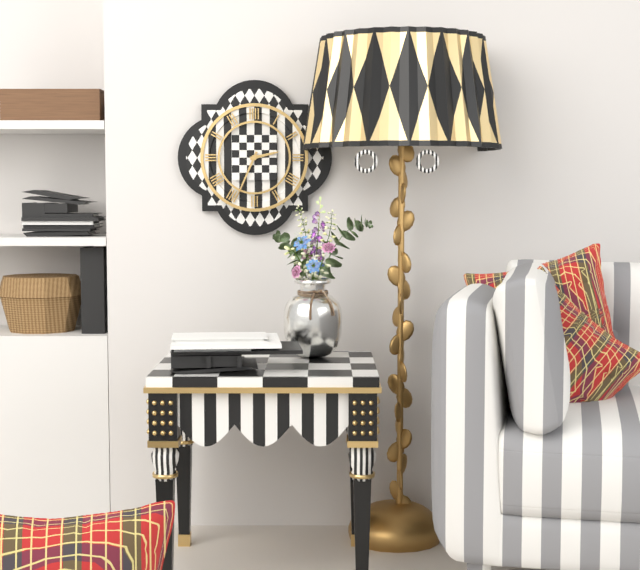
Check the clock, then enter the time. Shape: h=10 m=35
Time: h=2 m=34
